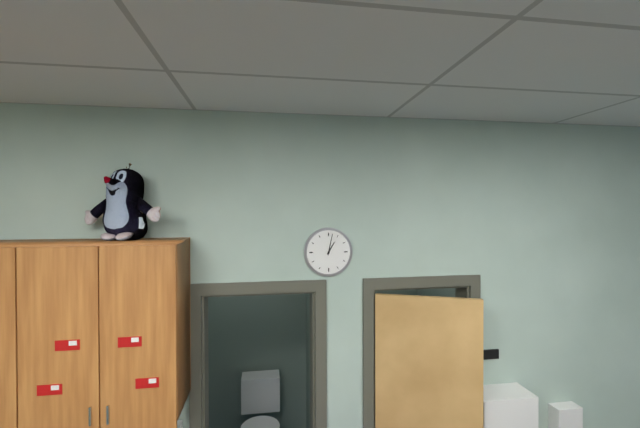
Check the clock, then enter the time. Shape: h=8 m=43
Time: h=1 m=2
